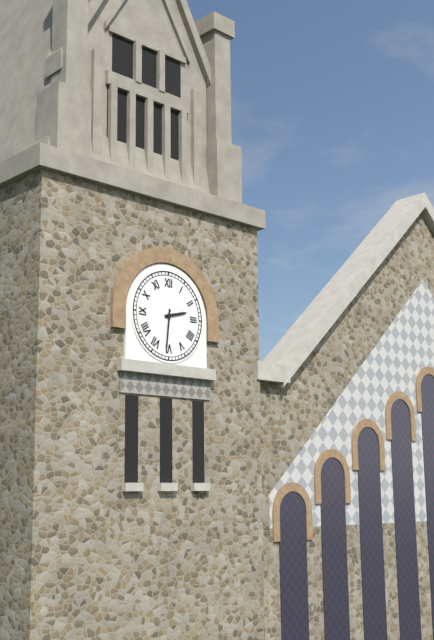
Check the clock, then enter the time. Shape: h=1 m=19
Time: h=2 m=31
